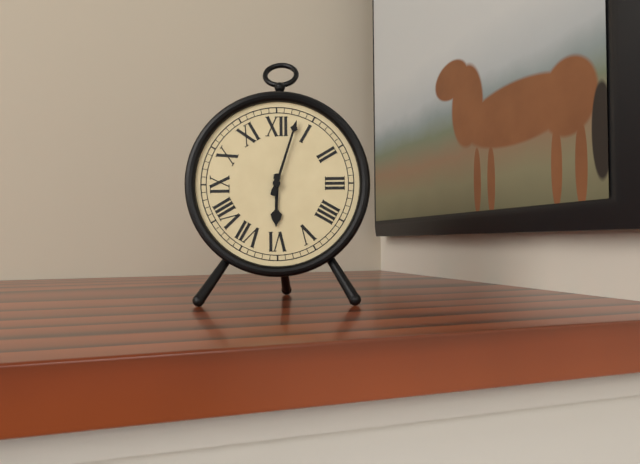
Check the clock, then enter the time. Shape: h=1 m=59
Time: h=6 m=3
